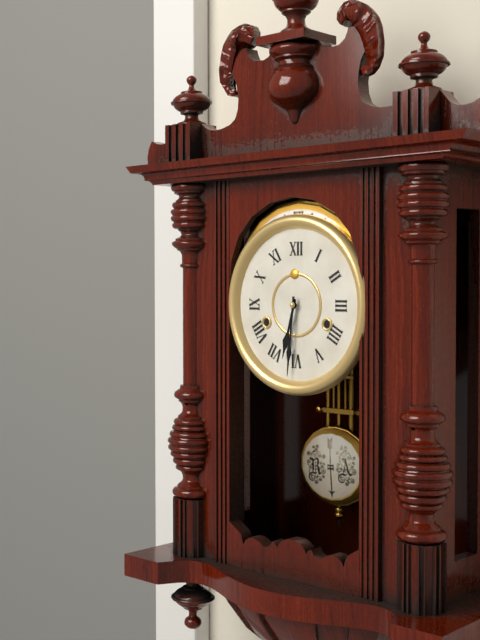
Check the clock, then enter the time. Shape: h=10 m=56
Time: h=6 m=31
